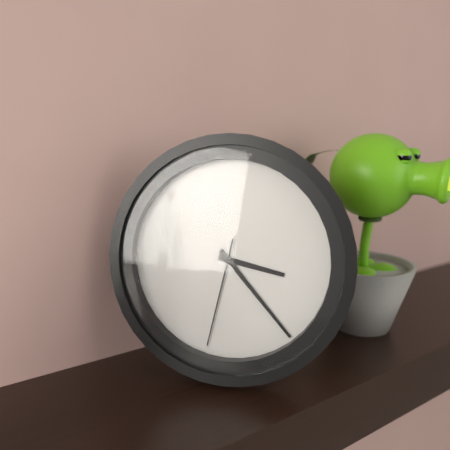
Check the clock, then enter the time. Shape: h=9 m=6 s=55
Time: h=3 m=23 s=32
